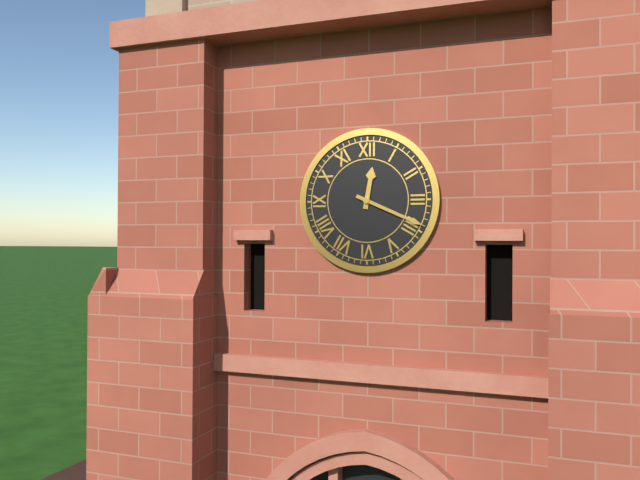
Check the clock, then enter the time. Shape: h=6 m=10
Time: h=12 m=19
